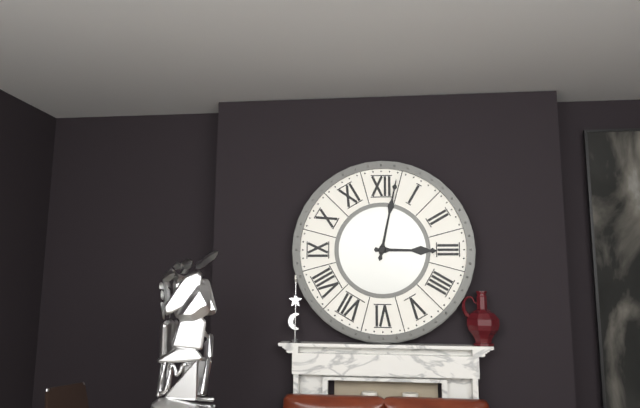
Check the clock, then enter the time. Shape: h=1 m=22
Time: h=3 m=2
